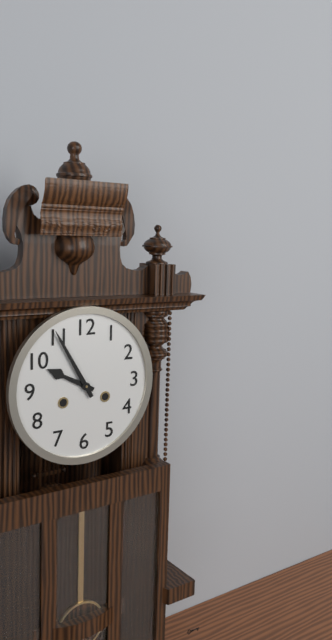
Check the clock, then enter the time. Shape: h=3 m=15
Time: h=9 m=55
